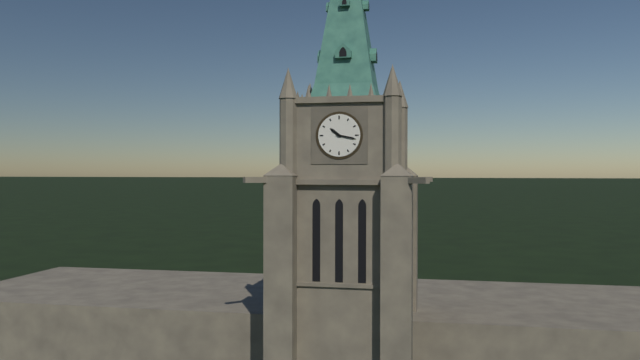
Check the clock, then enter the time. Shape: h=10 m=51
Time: h=10 m=17
